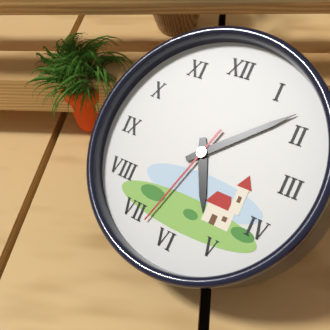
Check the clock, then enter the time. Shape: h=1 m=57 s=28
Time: h=5 m=8 s=33
